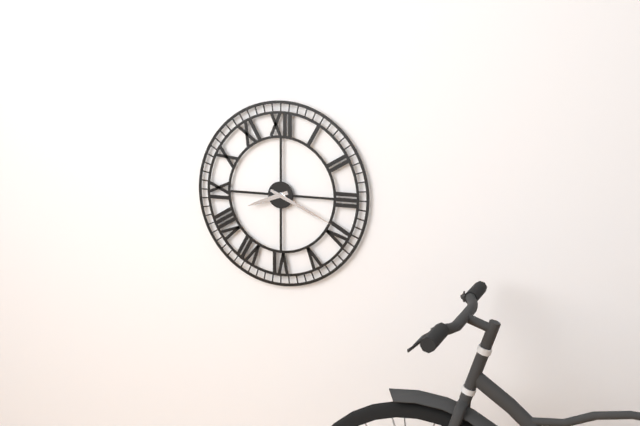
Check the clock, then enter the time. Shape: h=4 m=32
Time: h=8 m=19
